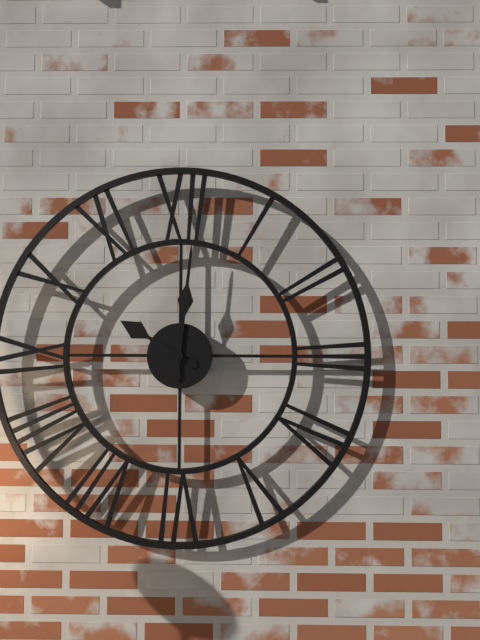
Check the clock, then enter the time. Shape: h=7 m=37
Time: h=10 m=1
